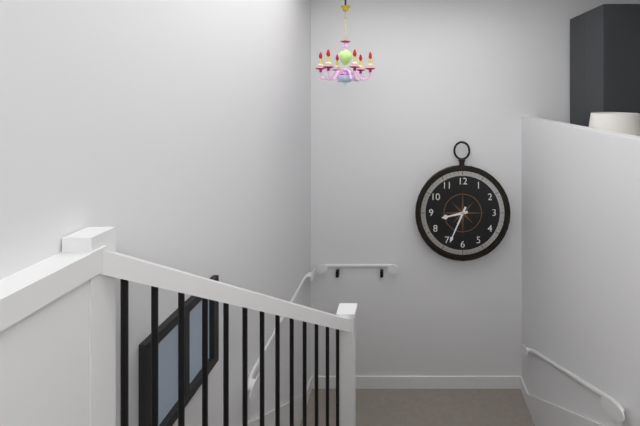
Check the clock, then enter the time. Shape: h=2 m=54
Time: h=8 m=34
